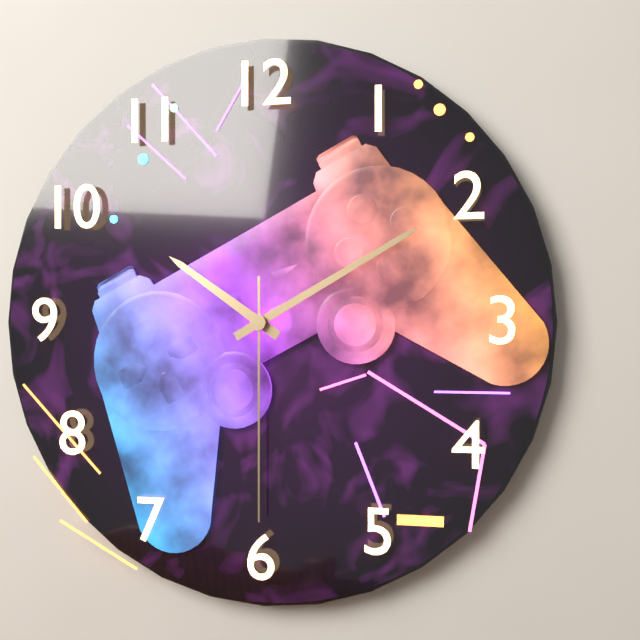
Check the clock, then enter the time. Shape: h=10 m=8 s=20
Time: h=10 m=10 s=30
